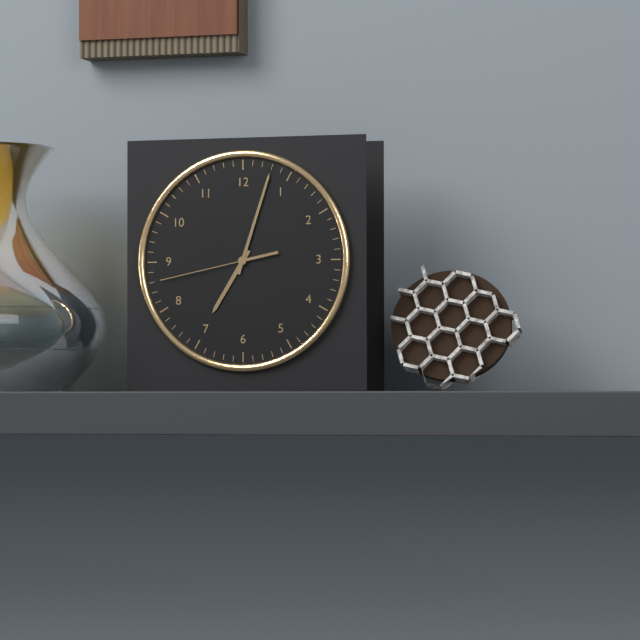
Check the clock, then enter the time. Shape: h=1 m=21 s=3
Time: h=7 m=3 s=43
